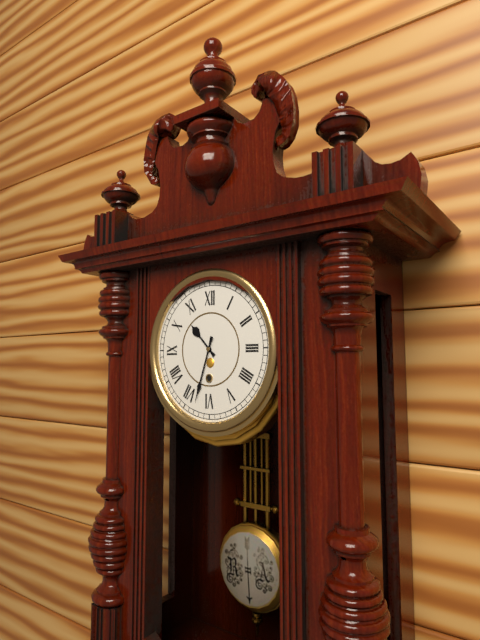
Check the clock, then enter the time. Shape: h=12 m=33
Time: h=10 m=33
